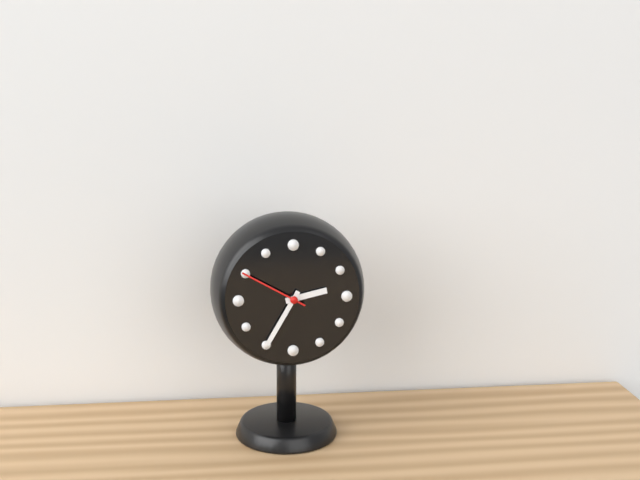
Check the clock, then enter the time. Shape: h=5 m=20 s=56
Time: h=2 m=35 s=50
